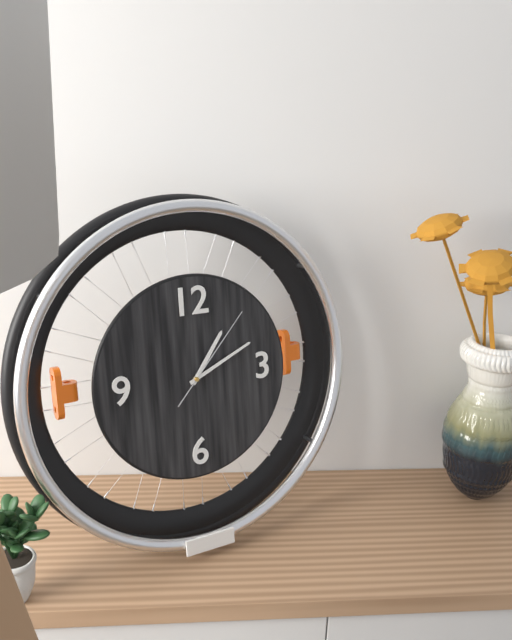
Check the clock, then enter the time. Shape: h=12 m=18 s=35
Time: h=1 m=11 s=7
